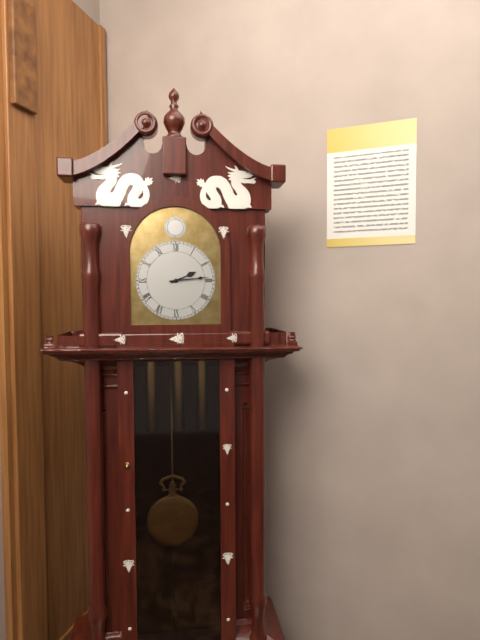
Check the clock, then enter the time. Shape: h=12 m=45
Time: h=2 m=14
